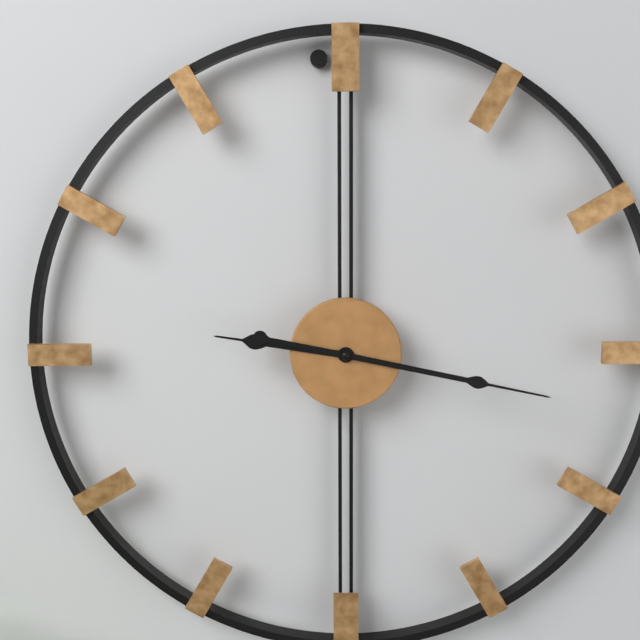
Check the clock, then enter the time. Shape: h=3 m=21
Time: h=9 m=17
